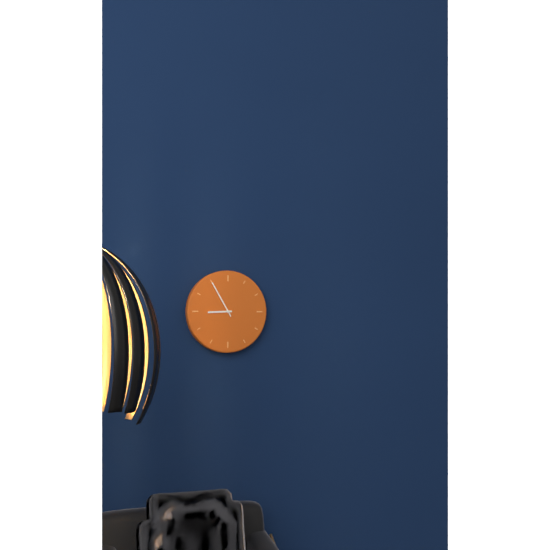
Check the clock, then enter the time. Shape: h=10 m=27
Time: h=8 m=55
